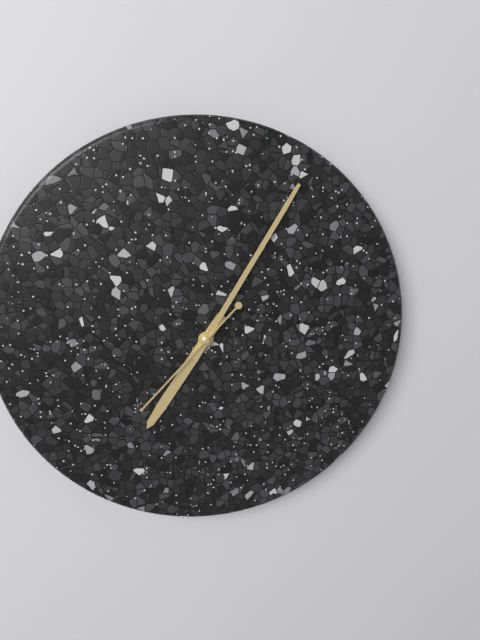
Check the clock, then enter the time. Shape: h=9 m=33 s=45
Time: h=7 m=5 s=37
